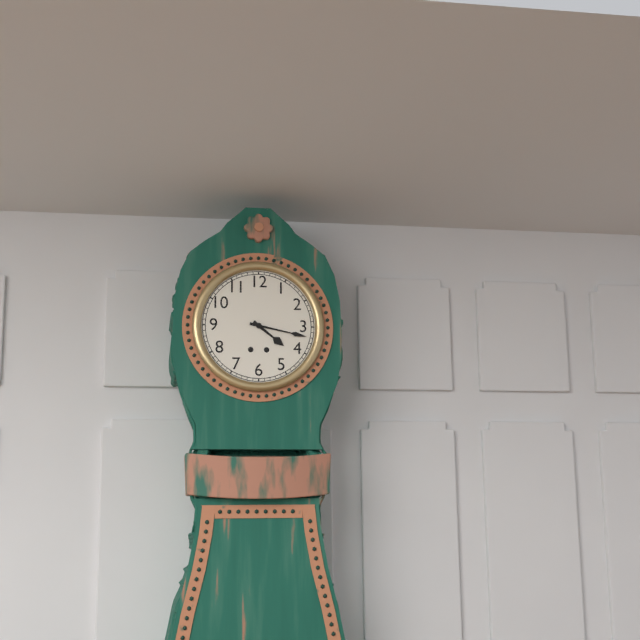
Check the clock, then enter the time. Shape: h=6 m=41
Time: h=4 m=17
